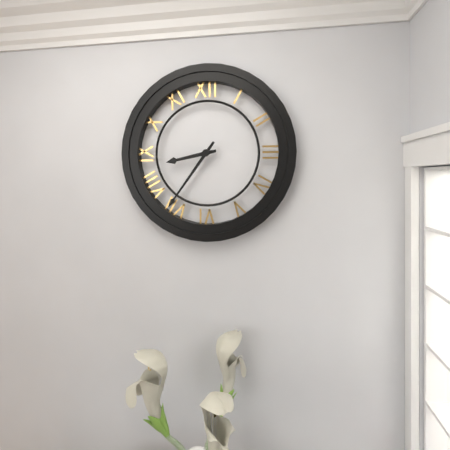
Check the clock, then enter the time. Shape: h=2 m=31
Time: h=8 m=36
